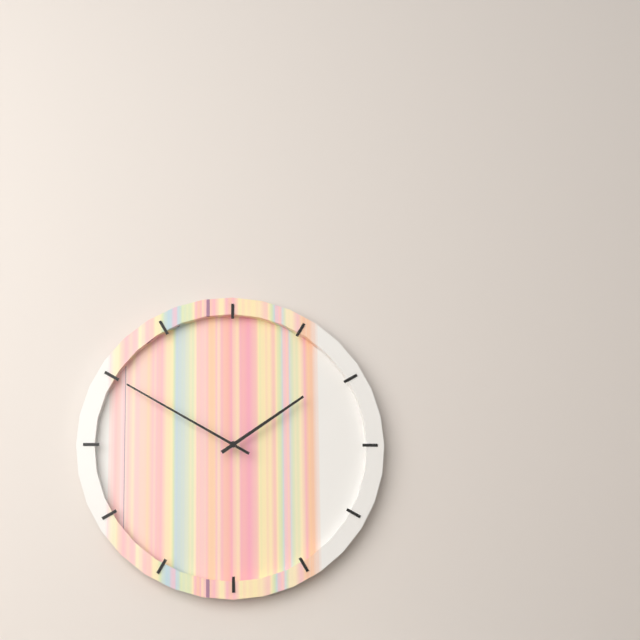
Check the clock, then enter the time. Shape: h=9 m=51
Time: h=1 m=50
